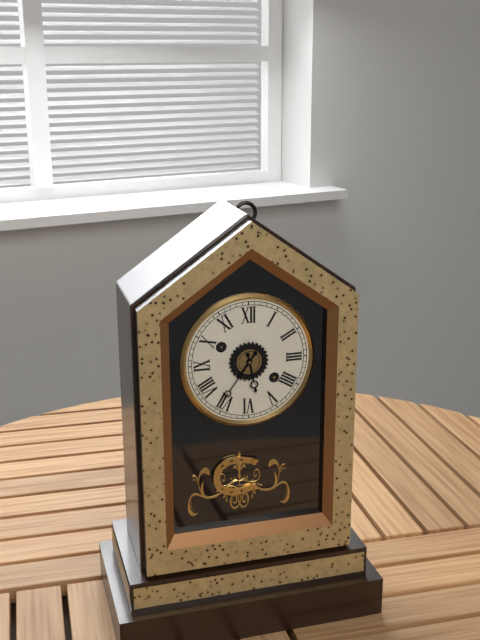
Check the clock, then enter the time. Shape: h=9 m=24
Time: h=5 m=36
